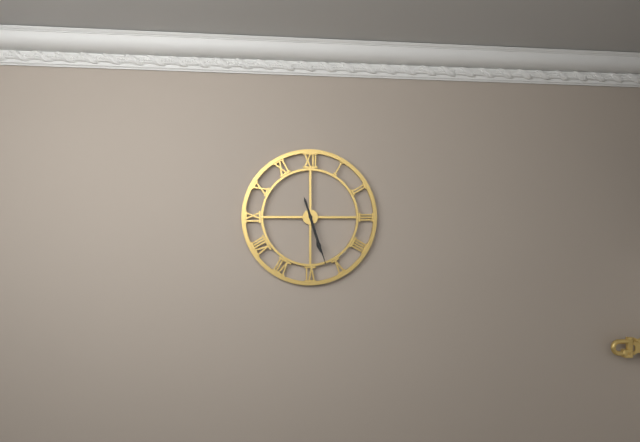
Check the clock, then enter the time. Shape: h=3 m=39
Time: h=5 m=27
